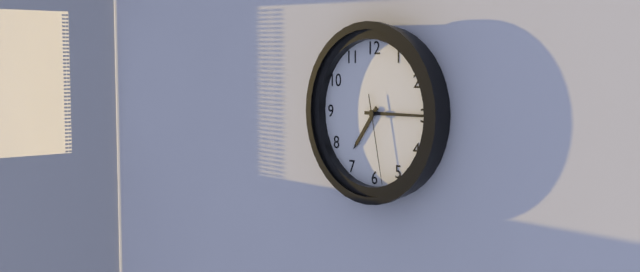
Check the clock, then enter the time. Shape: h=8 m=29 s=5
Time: h=7 m=15 s=28
